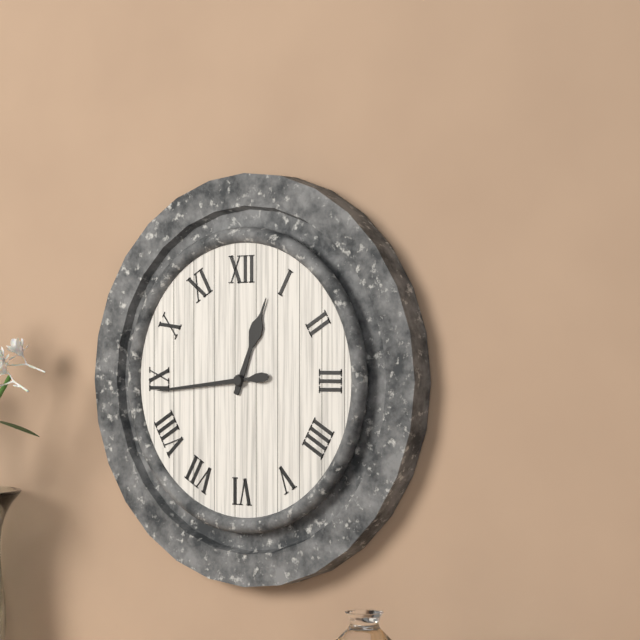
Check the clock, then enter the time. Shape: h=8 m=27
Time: h=12 m=44
